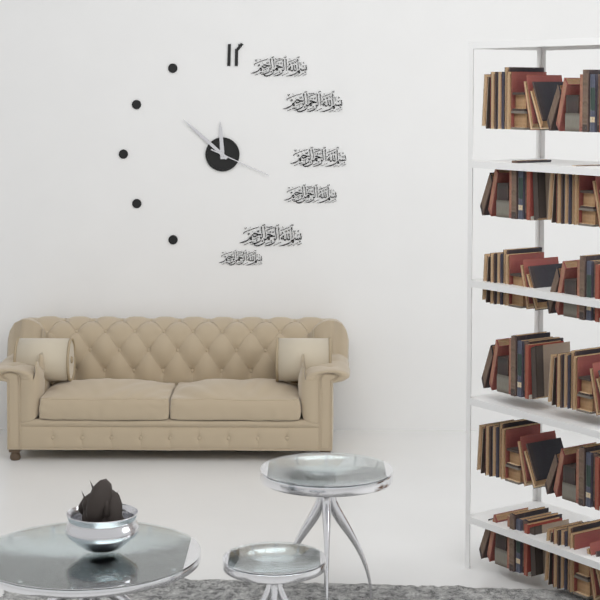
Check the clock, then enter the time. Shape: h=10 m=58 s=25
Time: h=11 m=52 s=19
